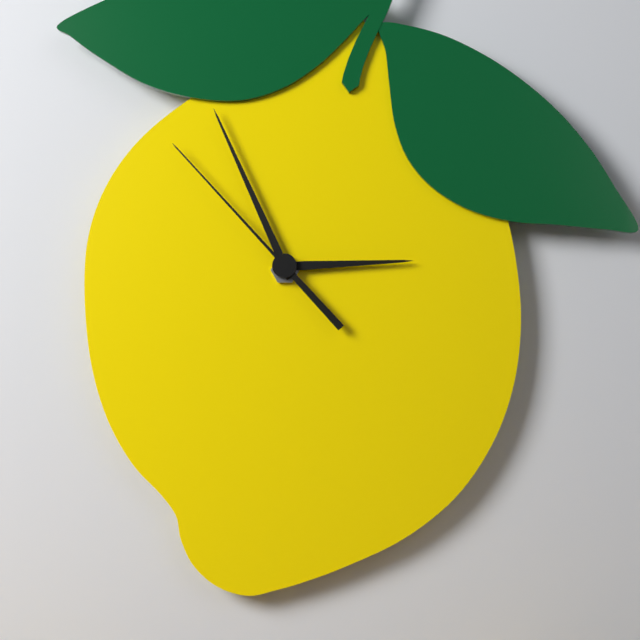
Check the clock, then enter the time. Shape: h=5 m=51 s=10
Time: h=2 m=56 s=53
